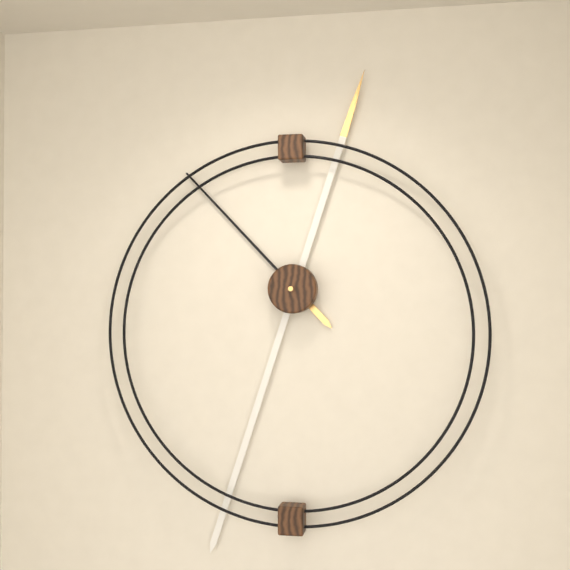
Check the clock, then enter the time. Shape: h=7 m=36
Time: h=10 m=33
